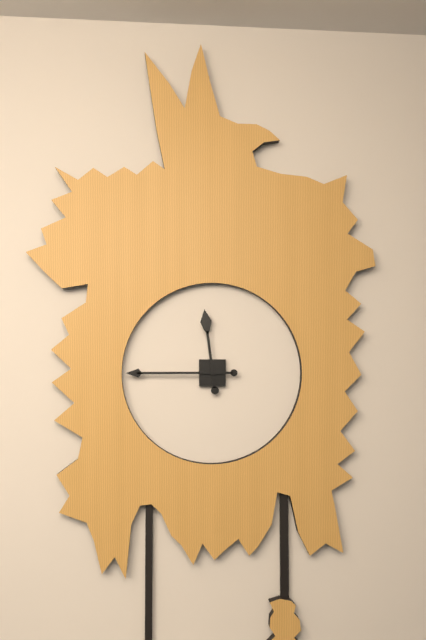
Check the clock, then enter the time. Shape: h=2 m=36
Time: h=11 m=45
